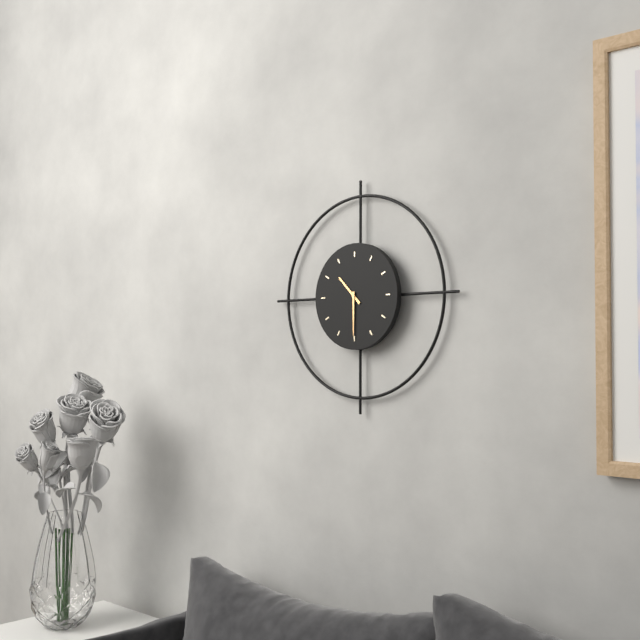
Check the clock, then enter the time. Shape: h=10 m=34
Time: h=10 m=30
